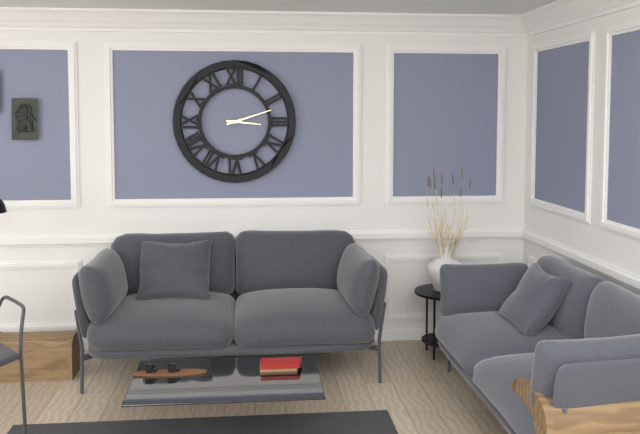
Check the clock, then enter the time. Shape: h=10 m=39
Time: h=3 m=12
